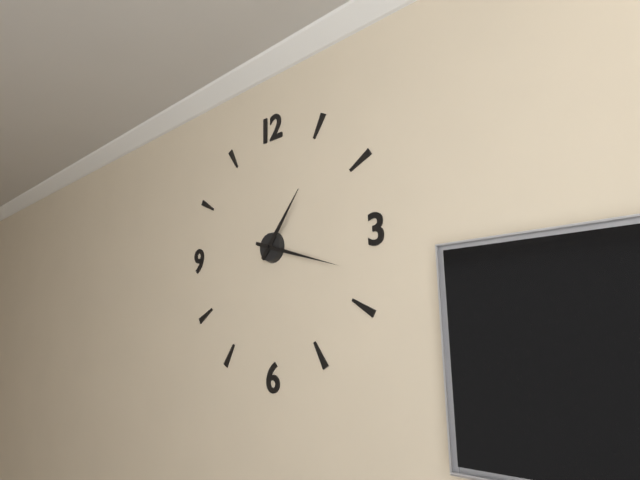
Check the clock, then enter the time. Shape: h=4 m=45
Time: h=1 m=18
